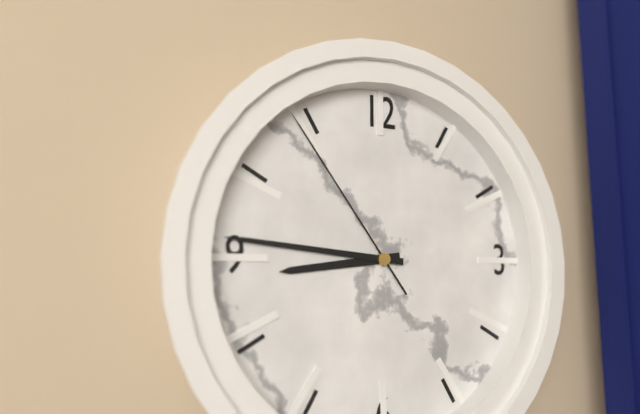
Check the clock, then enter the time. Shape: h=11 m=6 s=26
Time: h=8 m=46 s=54
